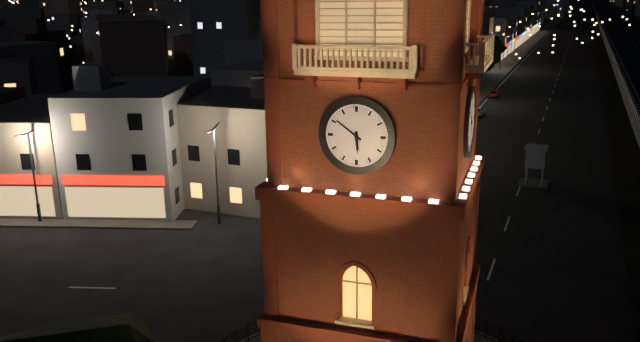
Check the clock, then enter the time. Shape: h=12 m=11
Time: h=5 m=51
